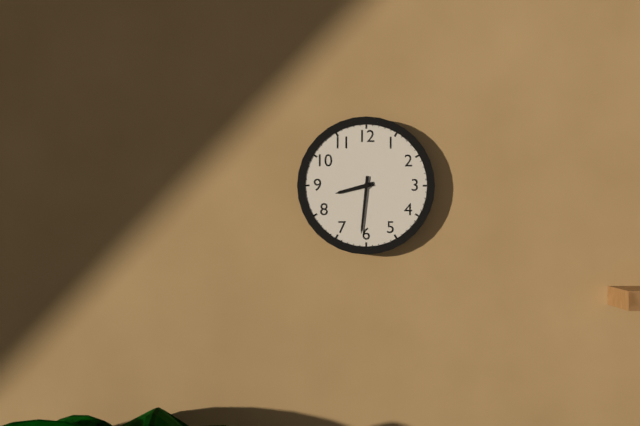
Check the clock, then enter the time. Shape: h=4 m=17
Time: h=8 m=31
